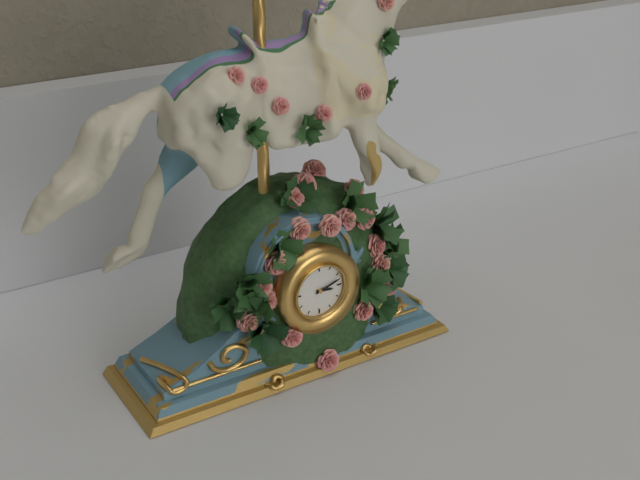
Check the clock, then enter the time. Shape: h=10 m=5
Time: h=3 m=12
